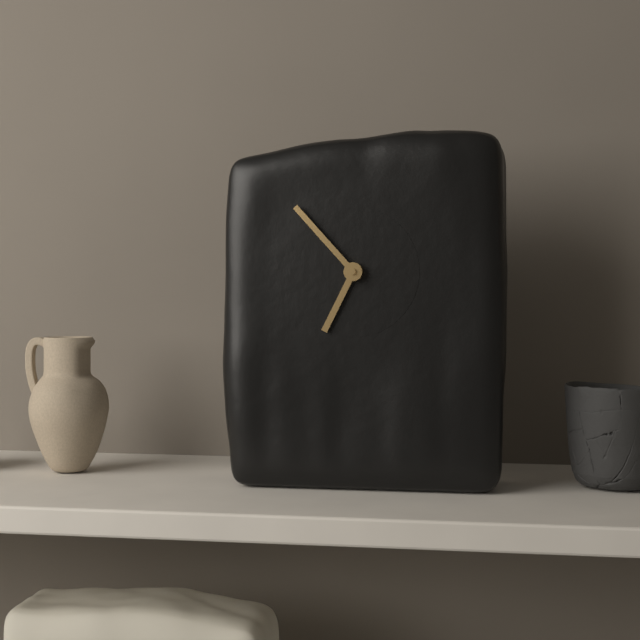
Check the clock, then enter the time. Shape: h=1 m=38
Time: h=6 m=53
